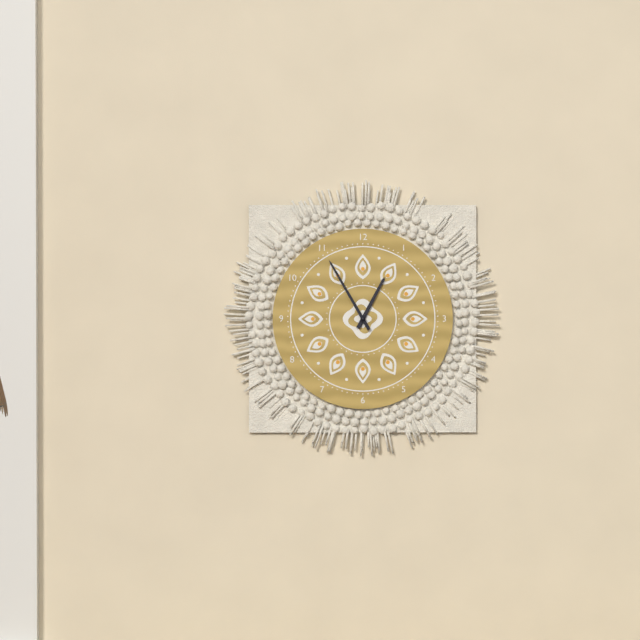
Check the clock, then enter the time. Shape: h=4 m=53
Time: h=12 m=55
